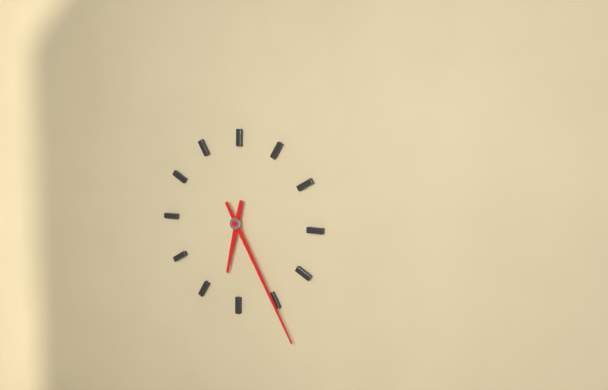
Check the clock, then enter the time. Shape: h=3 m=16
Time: h=6 m=25
